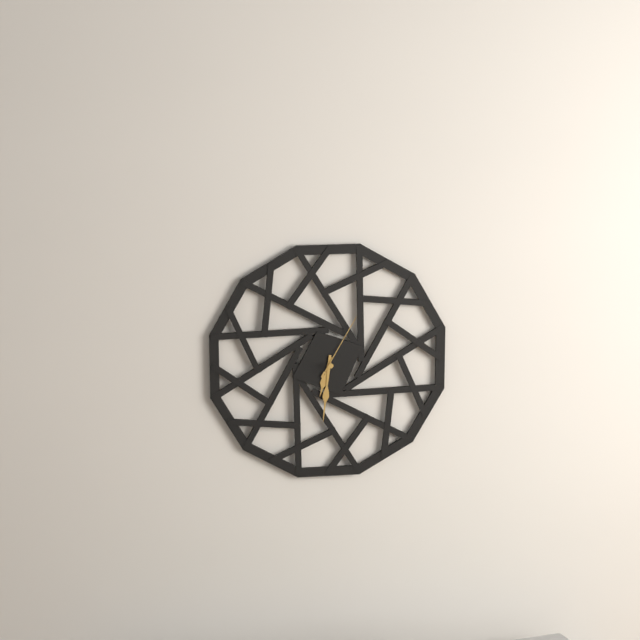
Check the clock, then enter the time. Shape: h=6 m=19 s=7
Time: h=6 m=31 s=5
